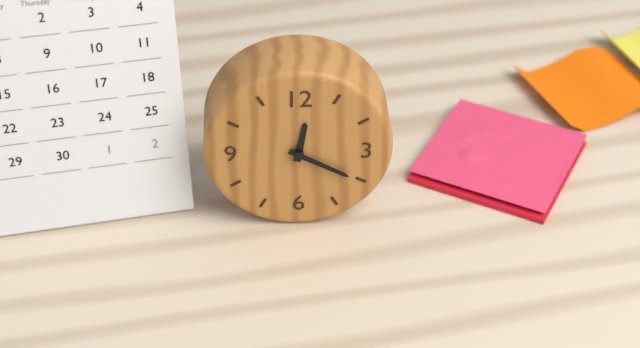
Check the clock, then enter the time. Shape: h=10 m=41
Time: h=12 m=20
